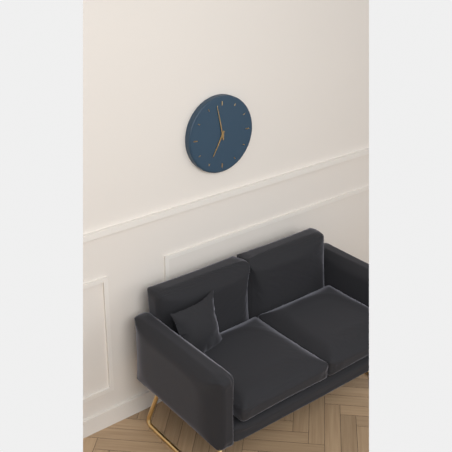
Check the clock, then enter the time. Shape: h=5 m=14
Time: h=6 m=58
